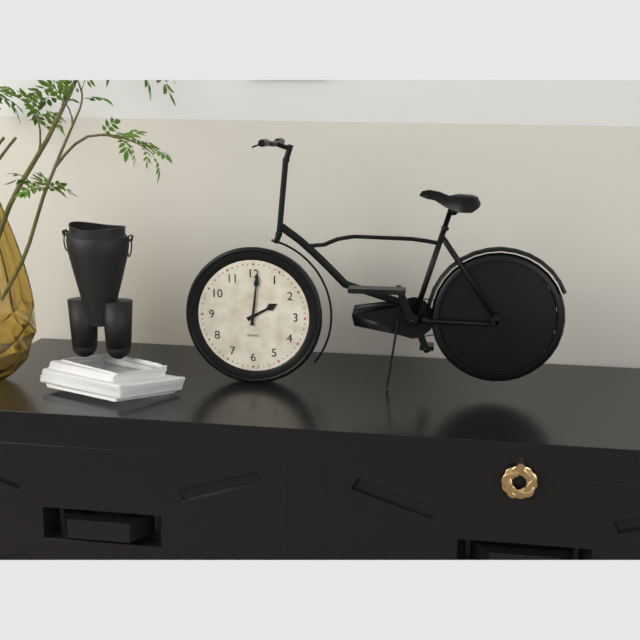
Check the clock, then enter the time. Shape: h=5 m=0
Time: h=2 m=1
